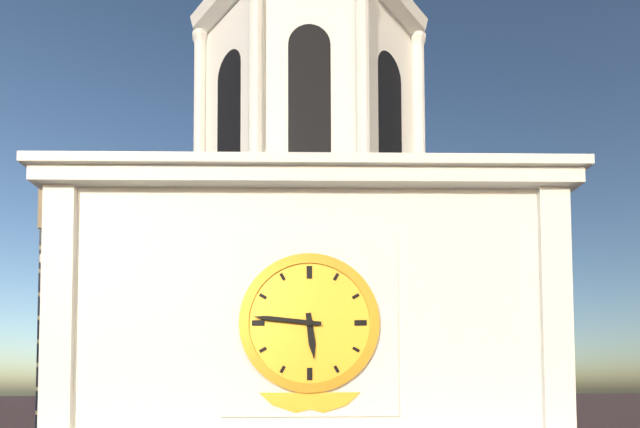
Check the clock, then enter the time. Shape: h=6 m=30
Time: h=5 m=46
